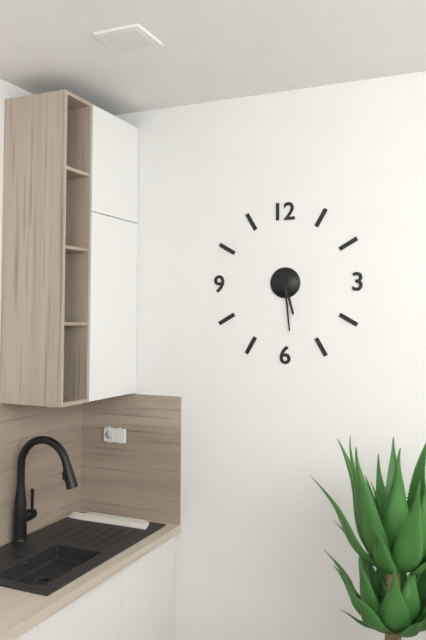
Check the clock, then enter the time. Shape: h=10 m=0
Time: h=5 m=29
